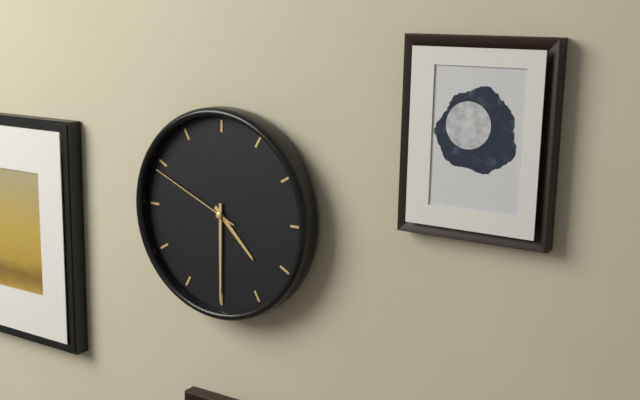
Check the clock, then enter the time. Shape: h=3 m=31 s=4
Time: h=4 m=30 s=49
